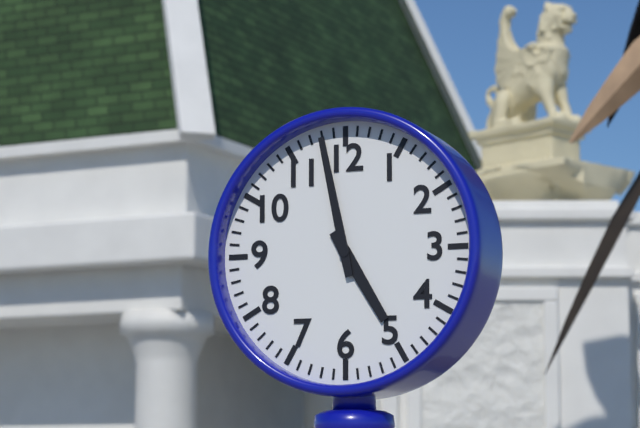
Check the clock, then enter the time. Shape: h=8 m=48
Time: h=4 m=58
